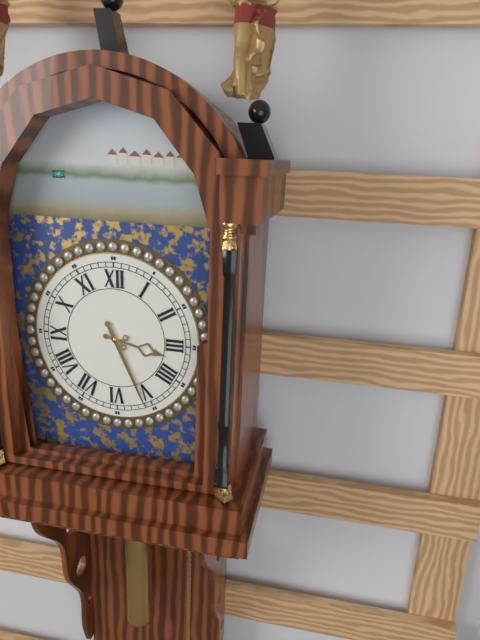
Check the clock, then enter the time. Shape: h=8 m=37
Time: h=3 m=26
